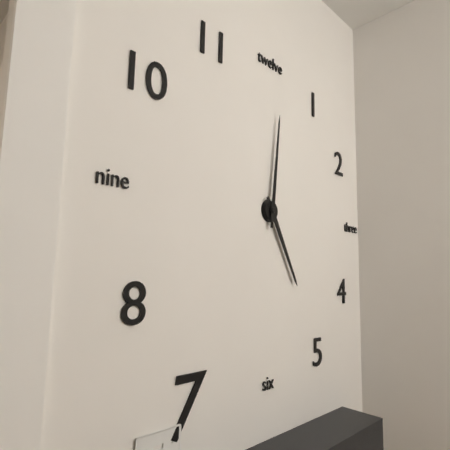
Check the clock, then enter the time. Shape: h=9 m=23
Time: h=5 m=1
